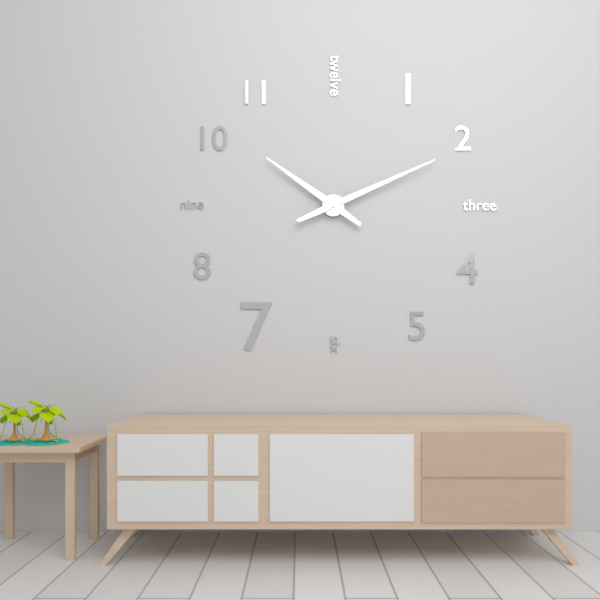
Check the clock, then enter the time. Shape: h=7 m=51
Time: h=10 m=11
